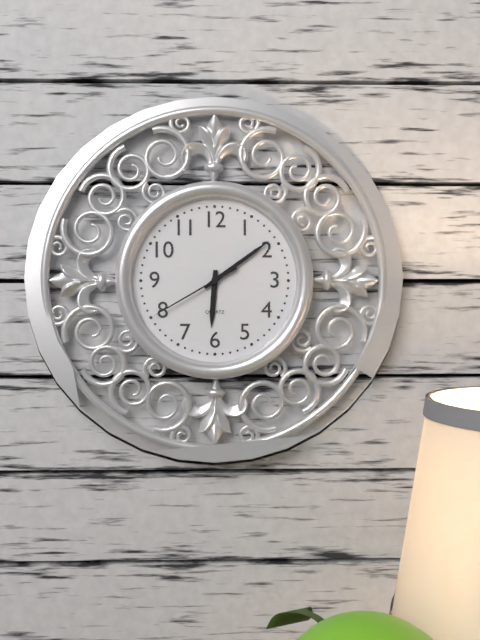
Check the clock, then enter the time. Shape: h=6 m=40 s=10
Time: h=6 m=9 s=40
